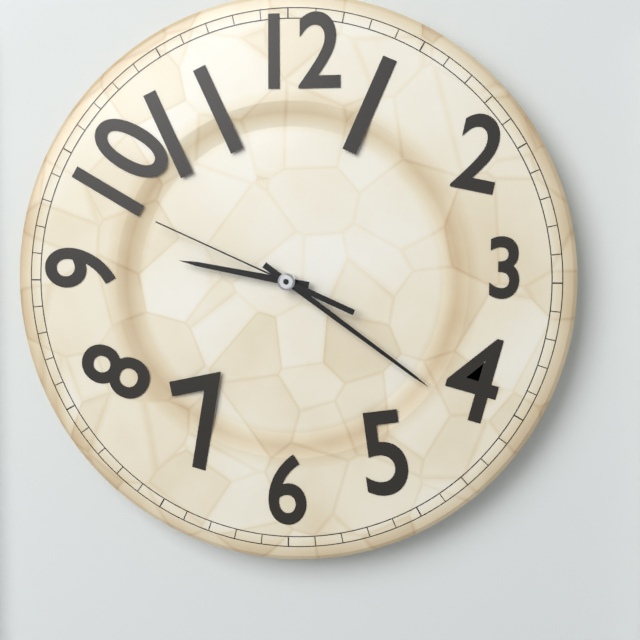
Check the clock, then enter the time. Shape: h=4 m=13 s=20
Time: h=9 m=21 s=49
